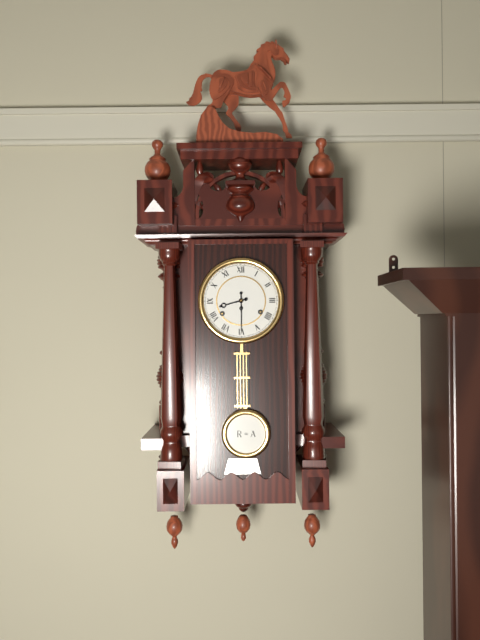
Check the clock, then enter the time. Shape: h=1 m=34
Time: h=8 m=30
